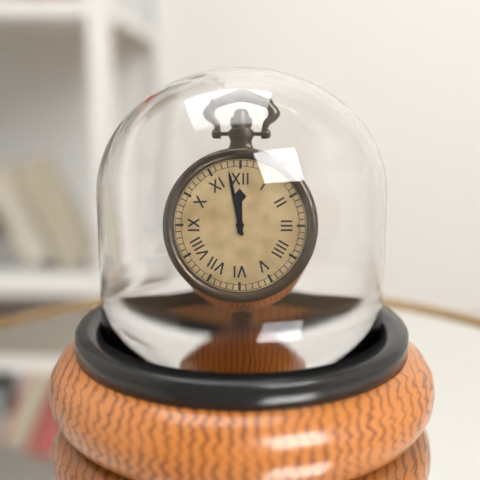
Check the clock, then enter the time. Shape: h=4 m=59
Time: h=11 m=58
